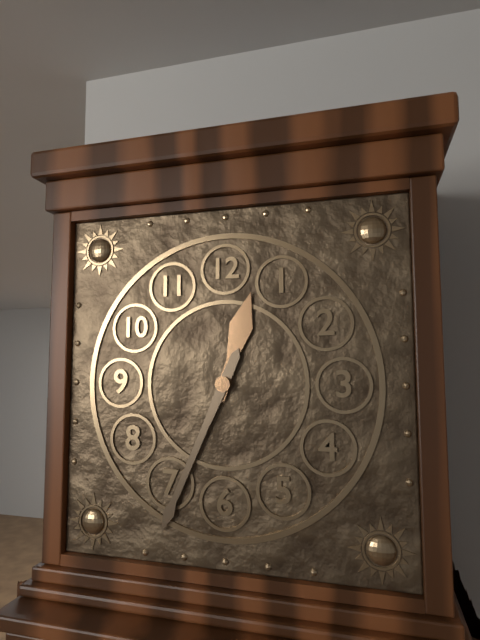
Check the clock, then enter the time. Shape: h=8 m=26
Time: h=12 m=34
